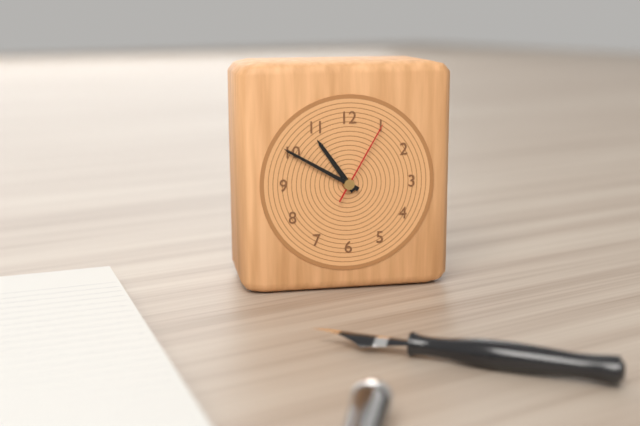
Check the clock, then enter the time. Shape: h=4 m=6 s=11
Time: h=10 m=50 s=5
